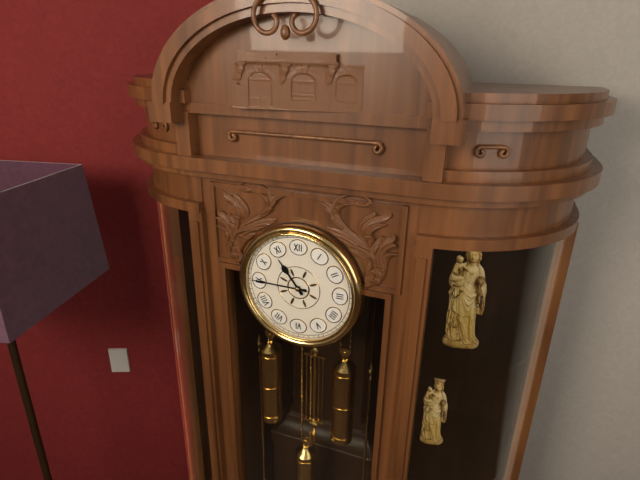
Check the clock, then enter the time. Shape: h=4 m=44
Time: h=10 m=45
